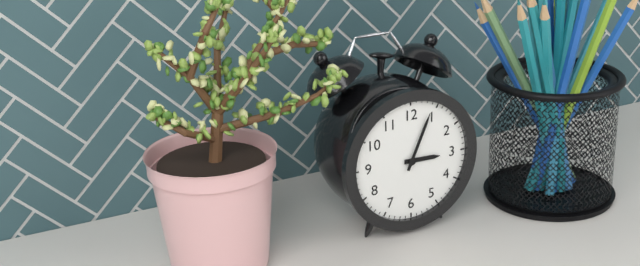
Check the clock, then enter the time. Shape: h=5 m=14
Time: h=3 m=4
